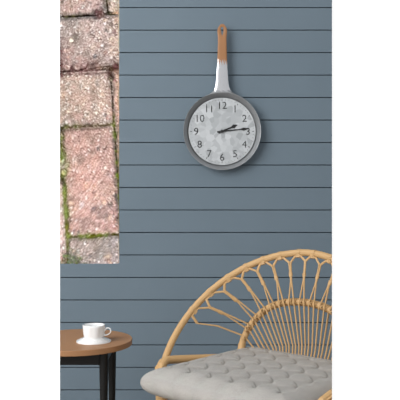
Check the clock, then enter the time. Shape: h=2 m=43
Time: h=2 m=14
